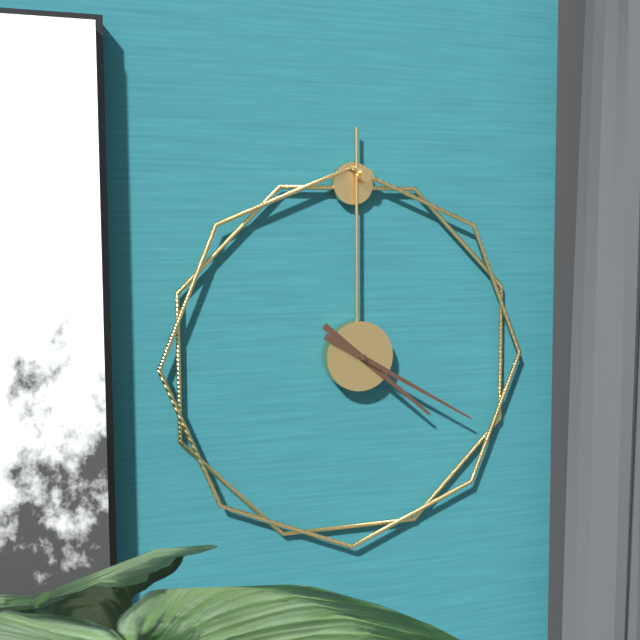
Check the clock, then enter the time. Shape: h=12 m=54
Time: h=4 m=20
